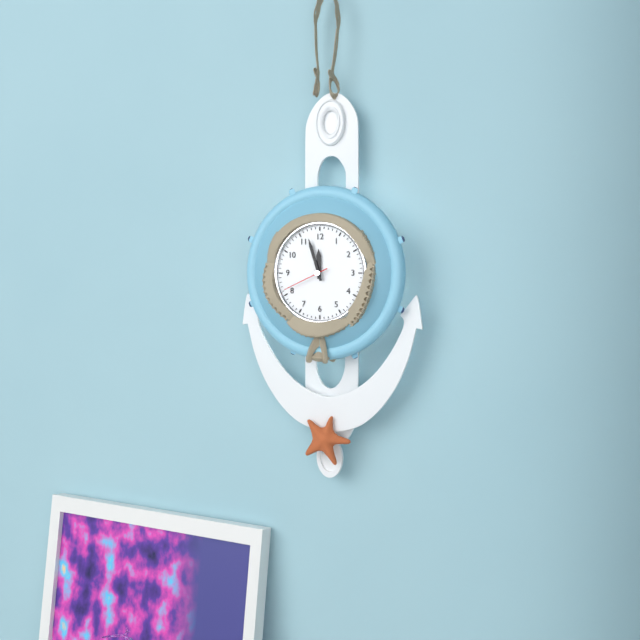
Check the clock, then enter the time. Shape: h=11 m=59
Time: h=11 m=57
